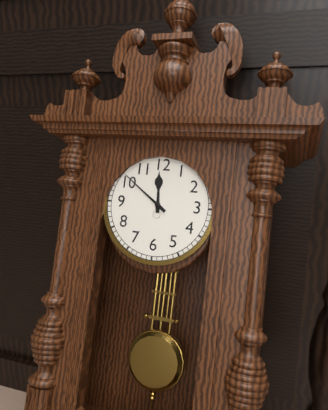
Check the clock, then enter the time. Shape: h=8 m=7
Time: h=11 m=51
